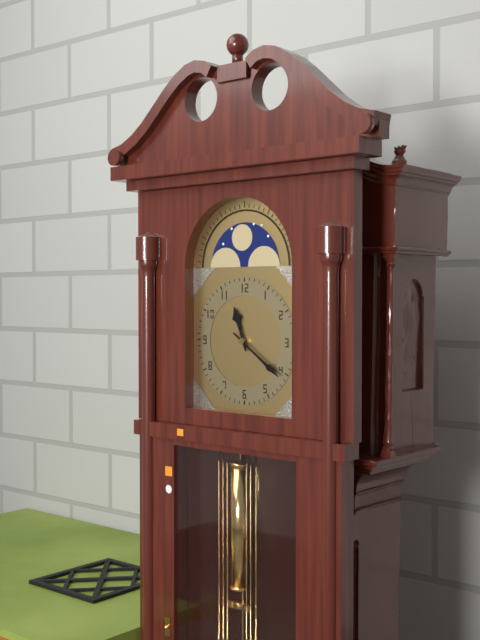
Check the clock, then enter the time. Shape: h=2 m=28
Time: h=11 m=21
